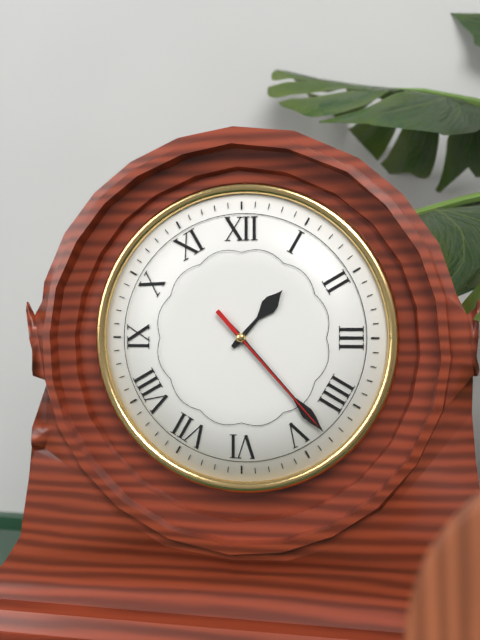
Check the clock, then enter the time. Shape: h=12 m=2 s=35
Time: h=1 m=23 s=23
